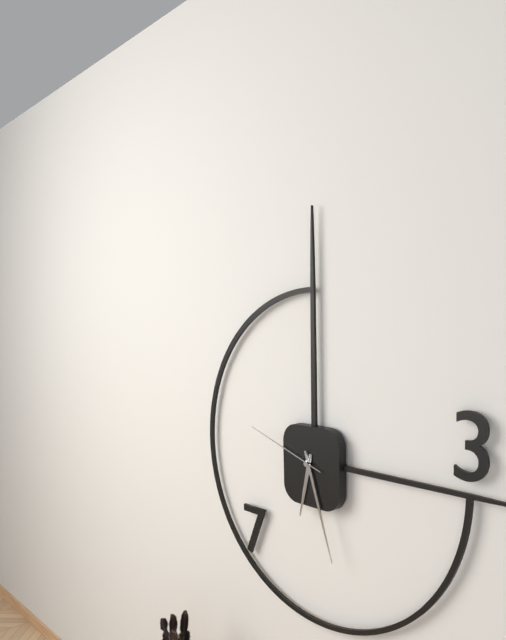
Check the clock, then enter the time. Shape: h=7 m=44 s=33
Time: h=6 m=27 s=48
